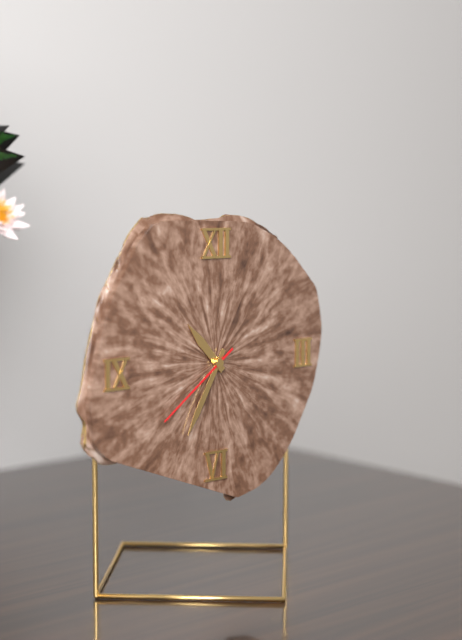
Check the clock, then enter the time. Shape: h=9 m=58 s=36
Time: h=10 m=35 s=39
